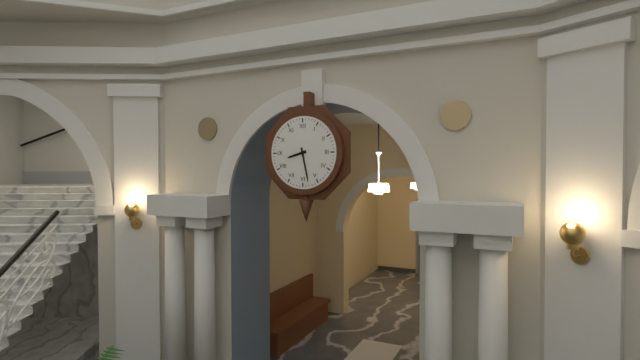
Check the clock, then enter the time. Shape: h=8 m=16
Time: h=8 m=28
